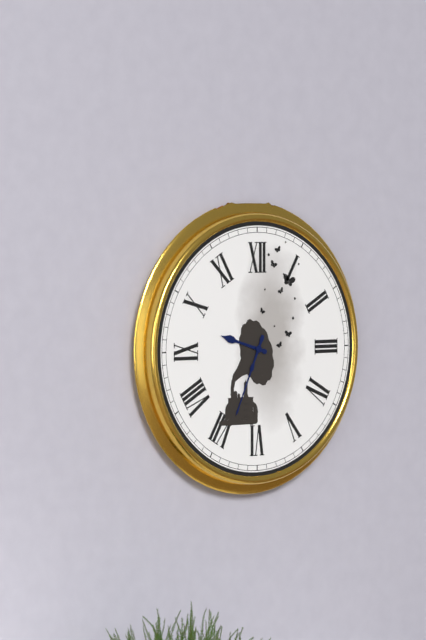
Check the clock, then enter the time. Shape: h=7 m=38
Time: h=9 m=34
